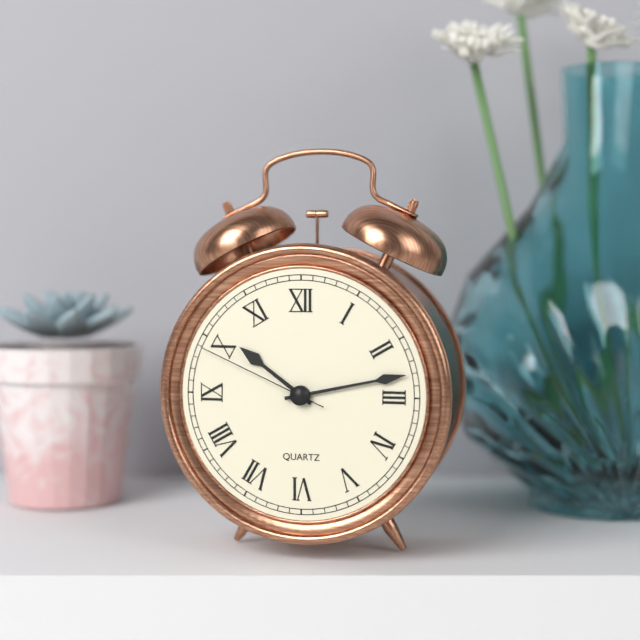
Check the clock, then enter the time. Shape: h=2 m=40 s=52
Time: h=10 m=13 s=49
